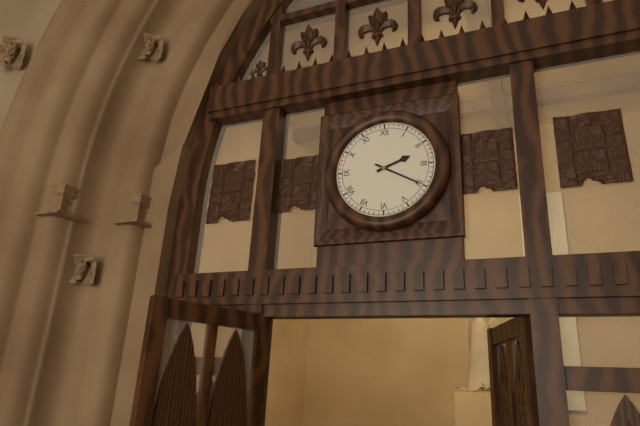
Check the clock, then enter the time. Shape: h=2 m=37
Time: h=2 m=20
